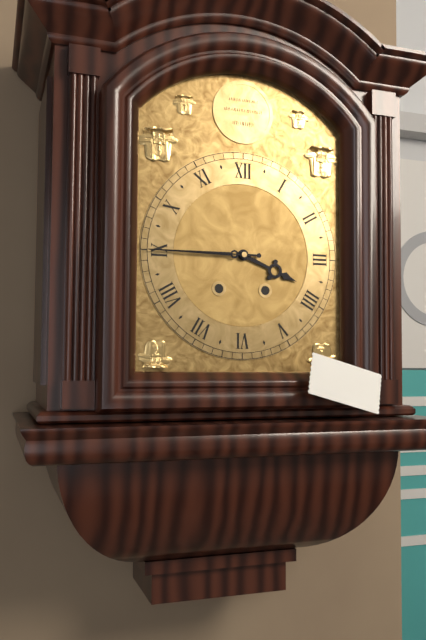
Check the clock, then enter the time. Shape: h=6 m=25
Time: h=3 m=45
